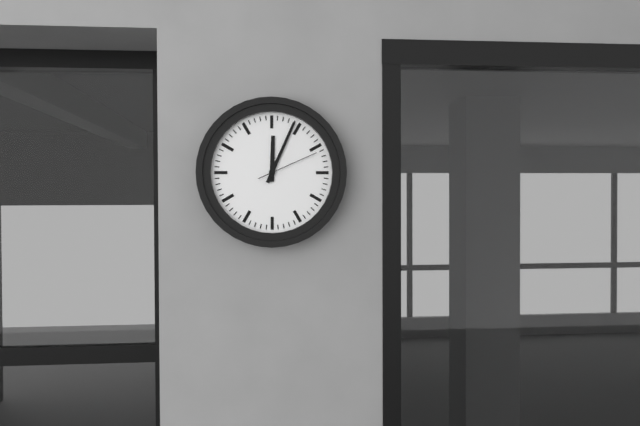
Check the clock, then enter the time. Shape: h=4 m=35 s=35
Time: h=12 m=4 s=11
